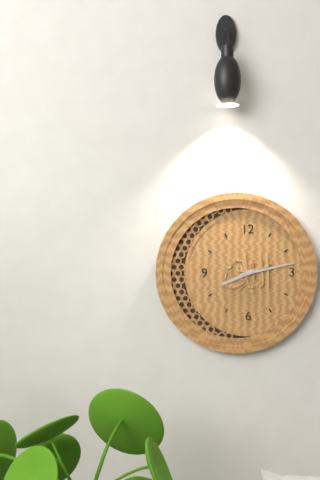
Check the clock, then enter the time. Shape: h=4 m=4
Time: h=8 m=13
